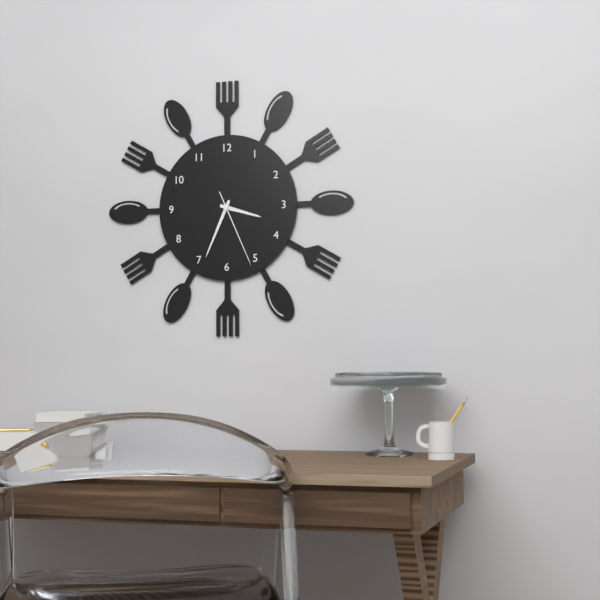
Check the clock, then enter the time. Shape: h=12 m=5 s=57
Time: h=3 m=34 s=26
